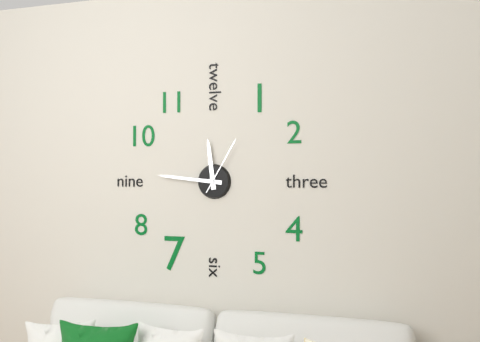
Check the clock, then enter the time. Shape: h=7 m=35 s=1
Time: h=11 m=46 s=5
